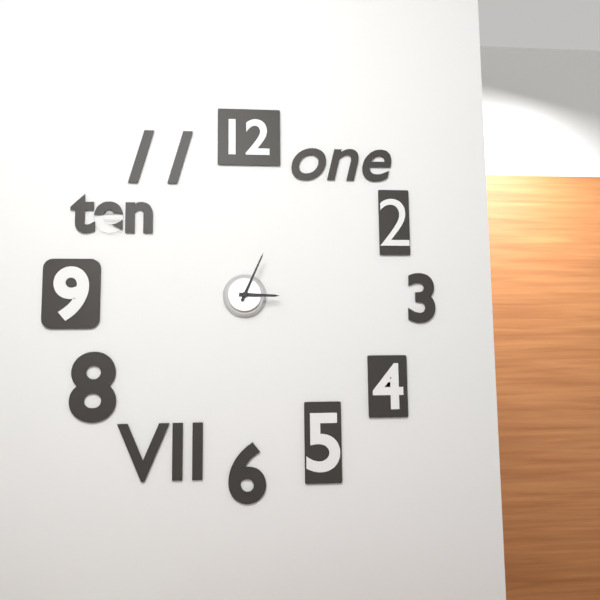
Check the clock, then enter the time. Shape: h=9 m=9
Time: h=3 m=4
